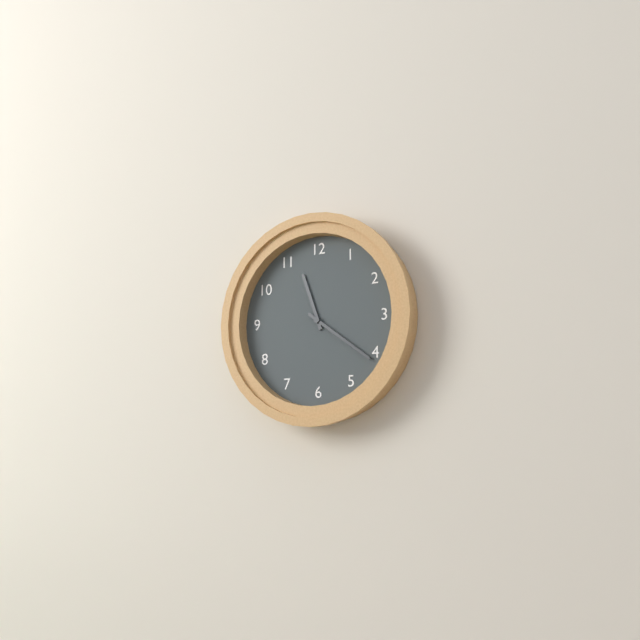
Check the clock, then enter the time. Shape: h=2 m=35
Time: h=11 m=21
